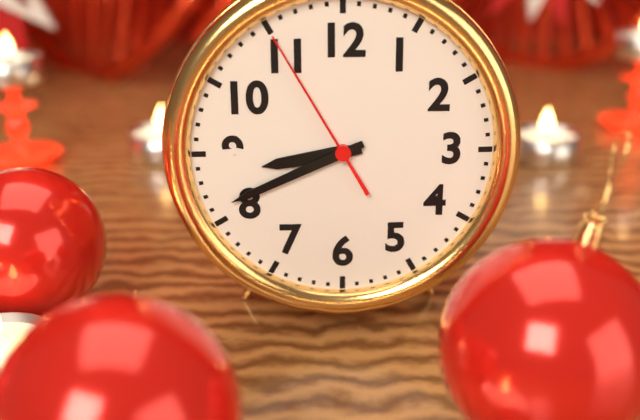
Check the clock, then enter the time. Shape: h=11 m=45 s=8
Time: h=8 m=41 s=55
